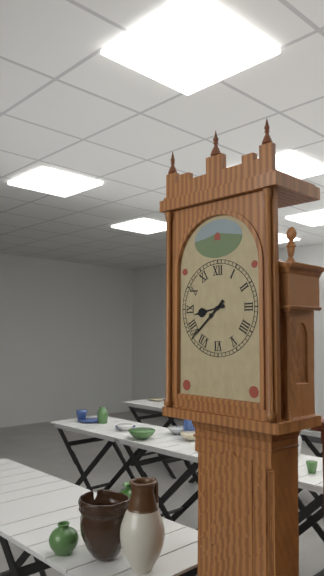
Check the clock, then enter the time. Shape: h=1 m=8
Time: h=8 m=38
